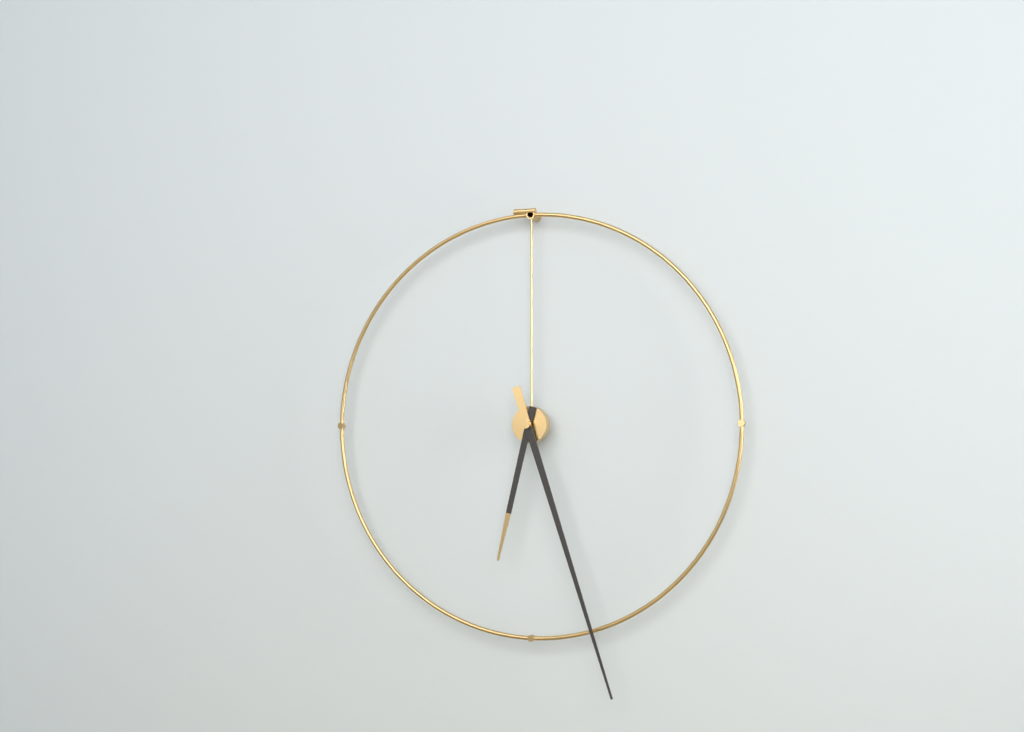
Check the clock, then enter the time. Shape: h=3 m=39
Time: h=6 m=27
